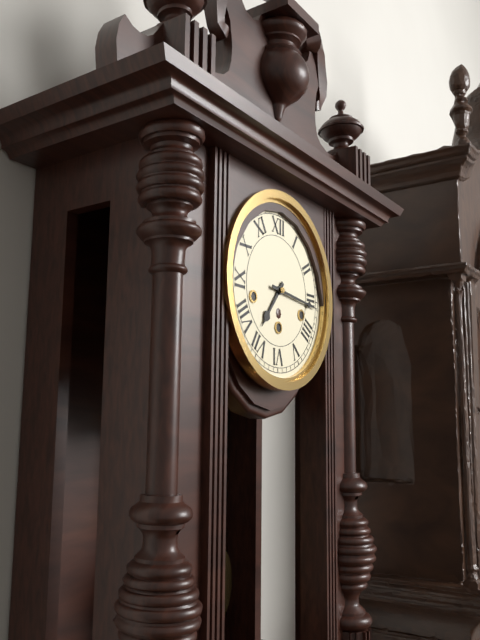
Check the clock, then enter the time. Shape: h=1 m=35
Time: h=7 m=16
